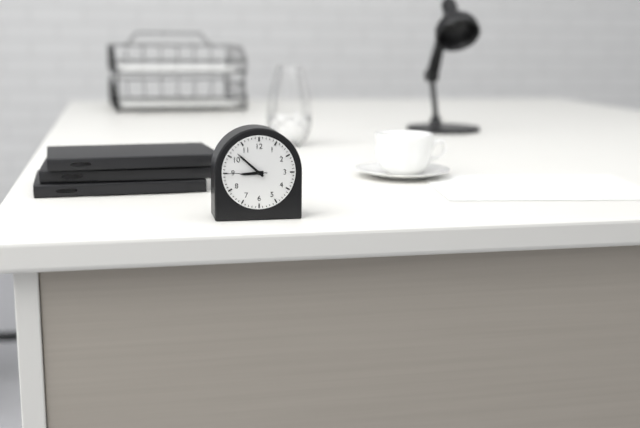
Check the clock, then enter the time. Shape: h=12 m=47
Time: h=8 m=52
